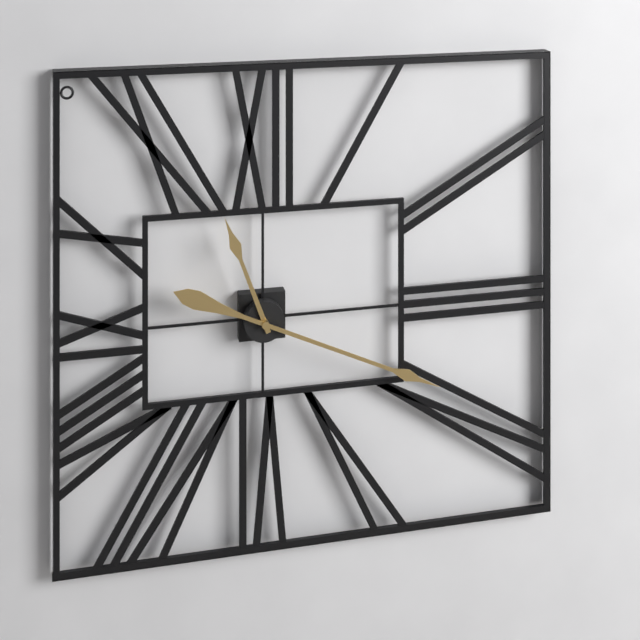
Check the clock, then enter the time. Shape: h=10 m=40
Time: h=11 m=19
